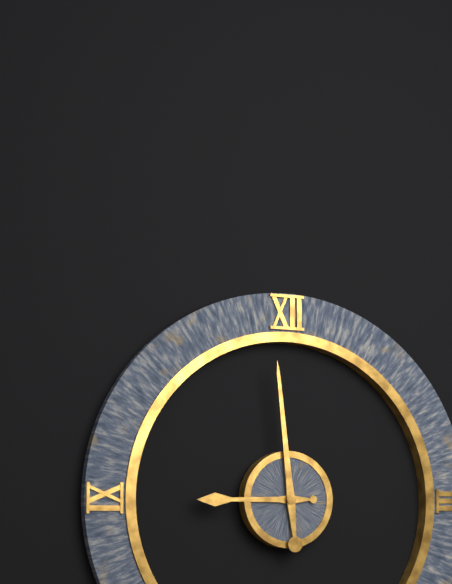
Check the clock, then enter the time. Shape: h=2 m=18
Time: h=8 m=59
